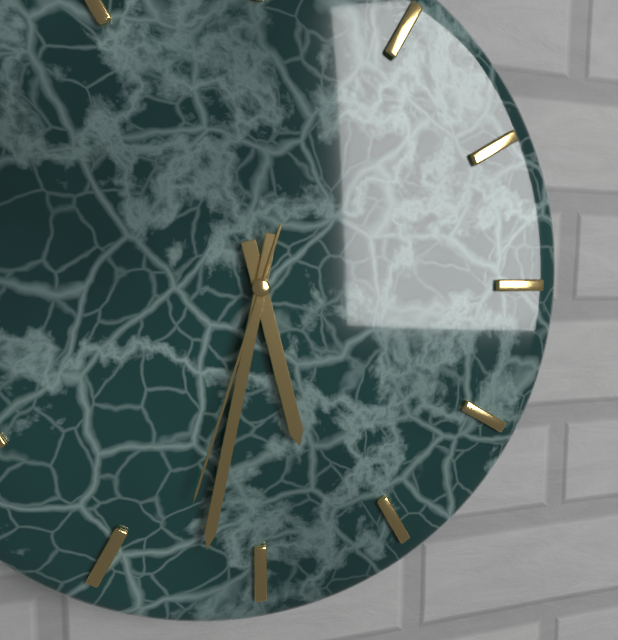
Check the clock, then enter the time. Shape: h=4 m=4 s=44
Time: h=5 m=32 s=33
